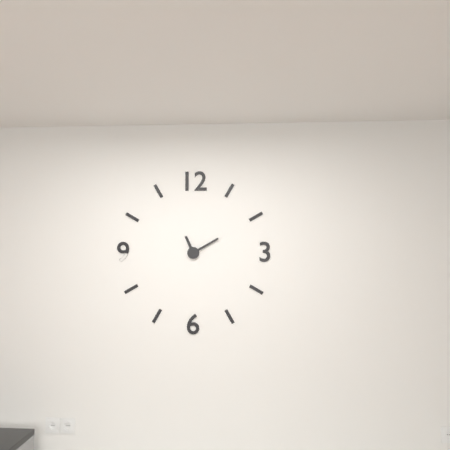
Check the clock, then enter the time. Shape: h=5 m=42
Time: h=11 m=10
